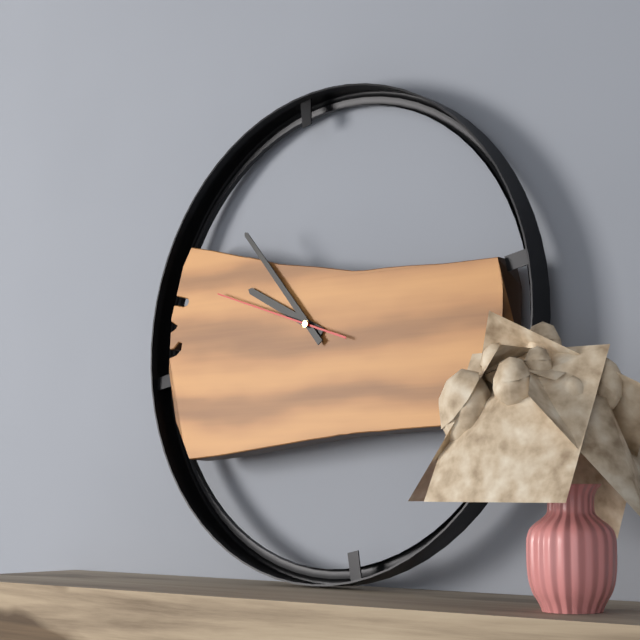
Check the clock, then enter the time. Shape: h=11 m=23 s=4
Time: h=9 m=53 s=48
